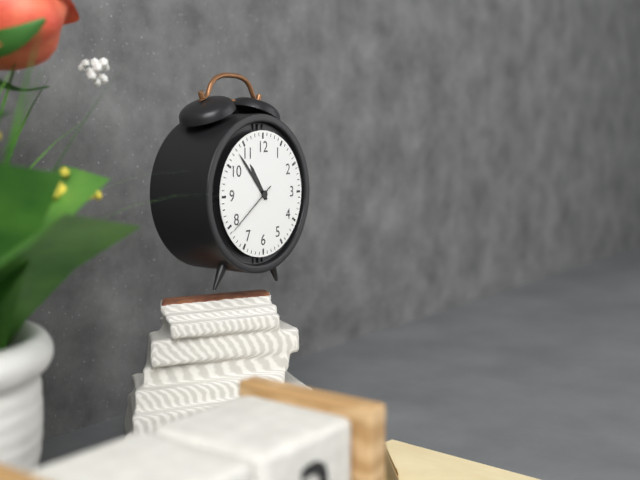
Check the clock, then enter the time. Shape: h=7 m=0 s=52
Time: h=10 m=53 s=39
